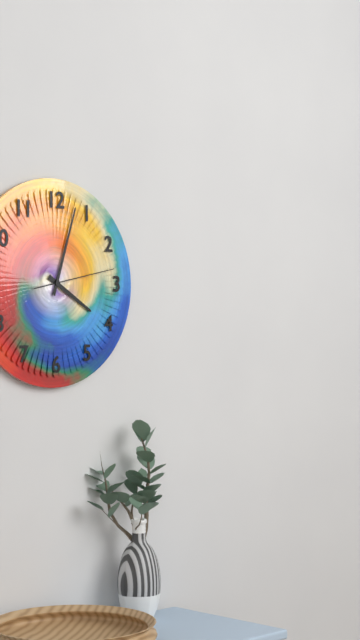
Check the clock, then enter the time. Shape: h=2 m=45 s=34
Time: h=4 m=3 s=13
